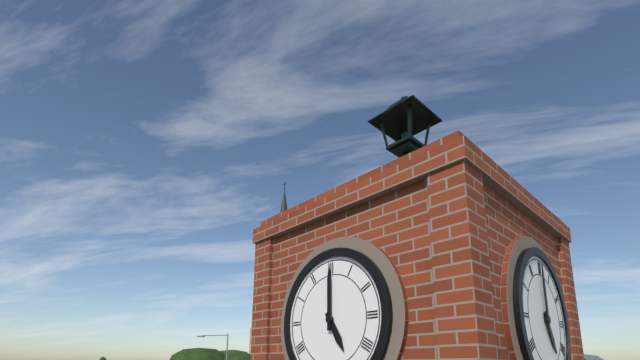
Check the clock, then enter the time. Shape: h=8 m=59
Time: h=5 m=0
